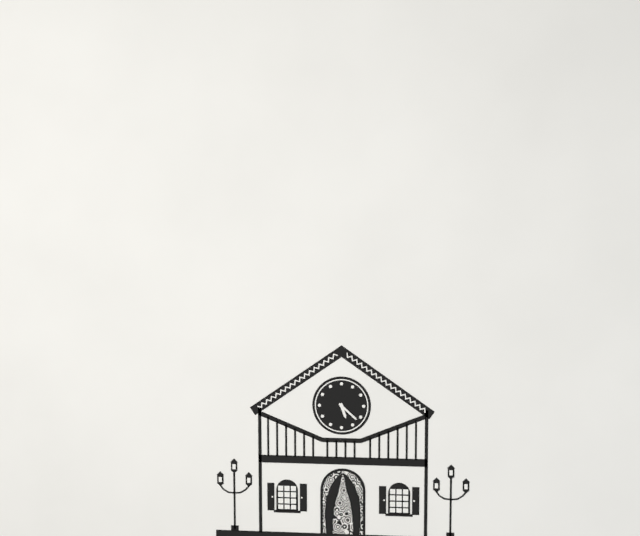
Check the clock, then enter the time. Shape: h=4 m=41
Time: h=5 m=22
